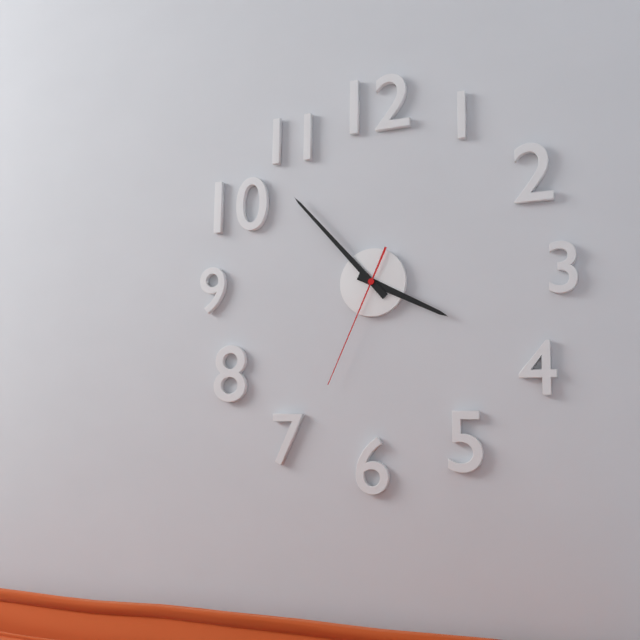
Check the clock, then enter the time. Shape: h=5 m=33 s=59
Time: h=3 m=53 s=34
